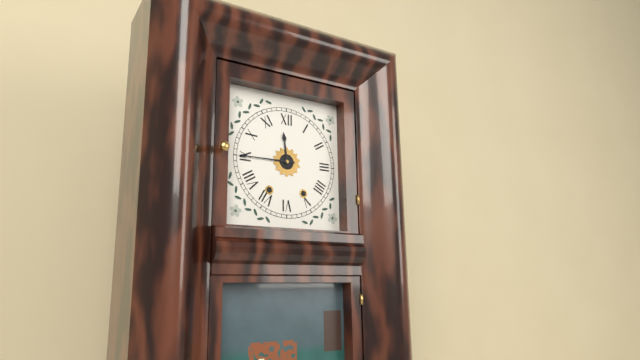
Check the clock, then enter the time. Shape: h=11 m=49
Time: h=11 m=45
